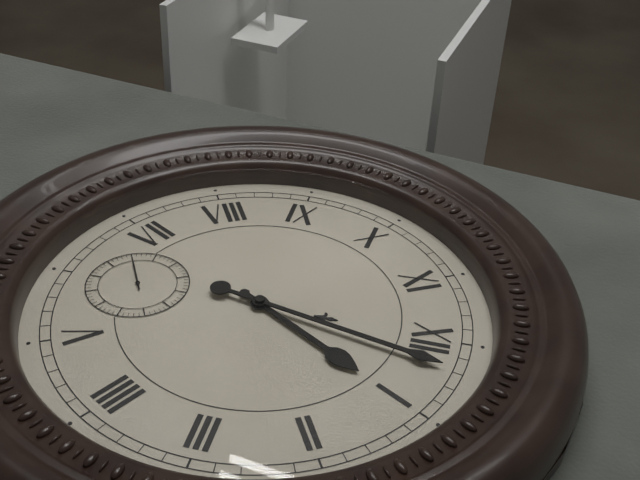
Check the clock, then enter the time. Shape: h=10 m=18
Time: h=1 m=2
